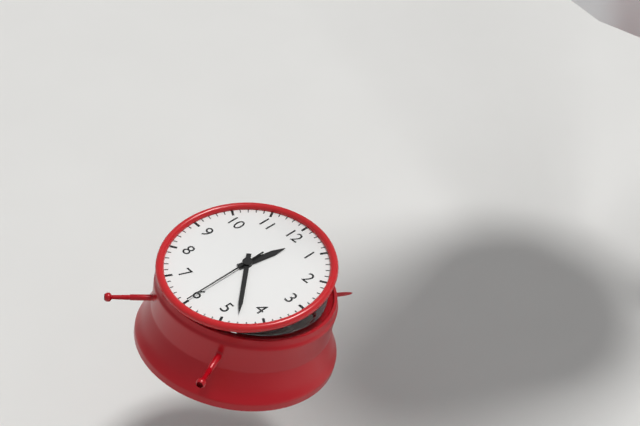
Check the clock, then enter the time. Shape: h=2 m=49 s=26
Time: h=12 m=23 s=30
